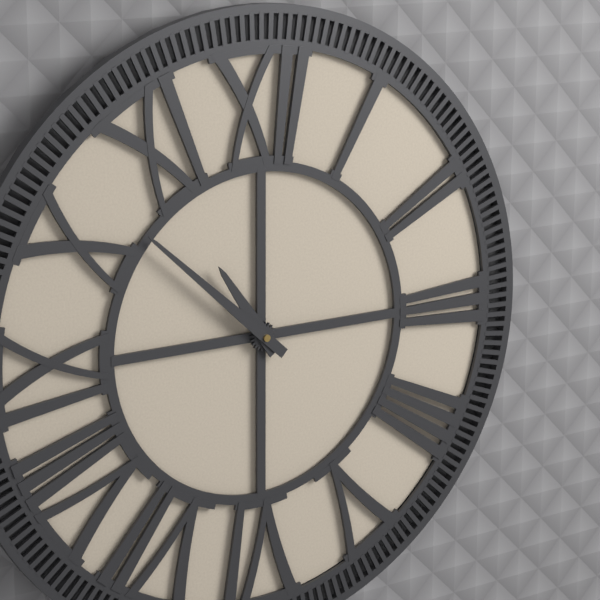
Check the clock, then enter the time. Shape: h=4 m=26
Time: h=10 m=52
